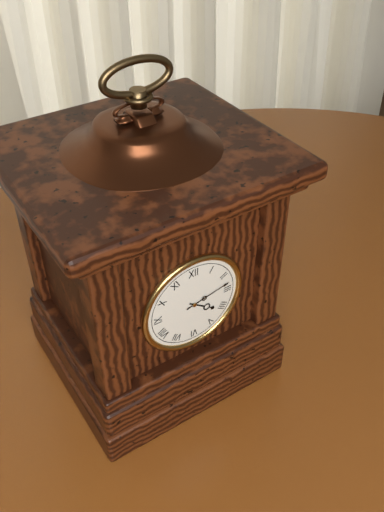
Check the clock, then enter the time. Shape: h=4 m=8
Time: h=4 m=13
